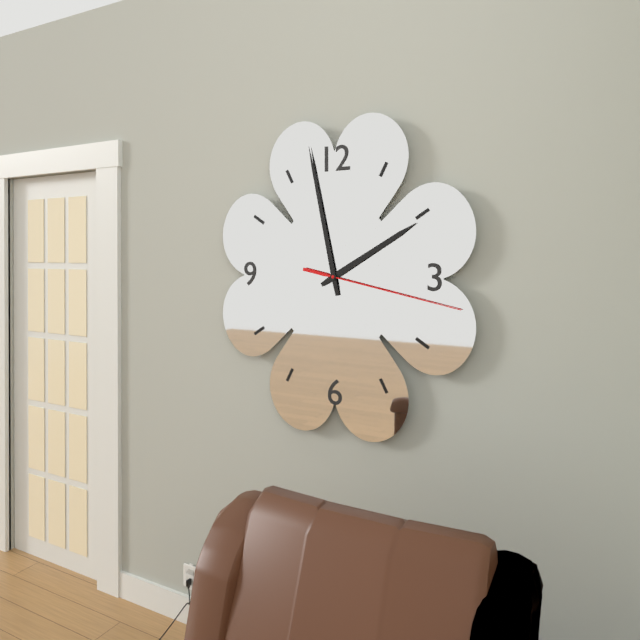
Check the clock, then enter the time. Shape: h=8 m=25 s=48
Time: h=1 m=58 s=17
